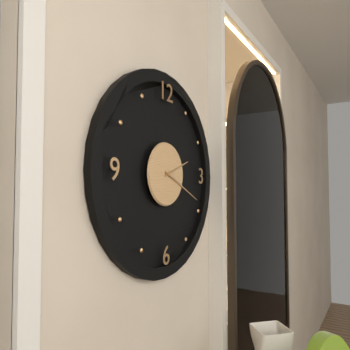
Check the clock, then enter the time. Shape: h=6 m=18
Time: h=2 m=19
